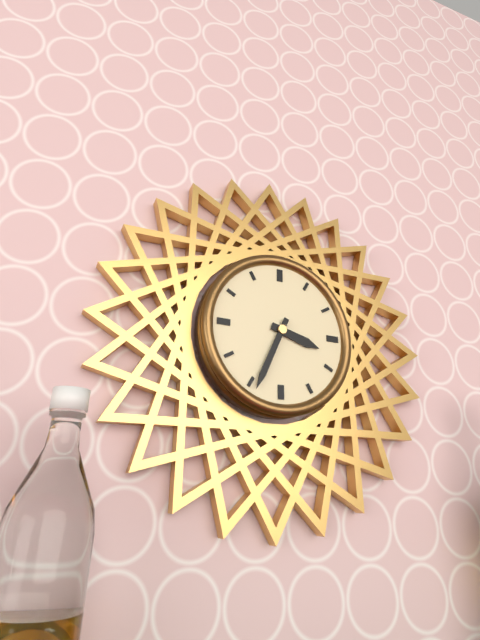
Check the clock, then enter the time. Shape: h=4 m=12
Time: h=3 m=34
